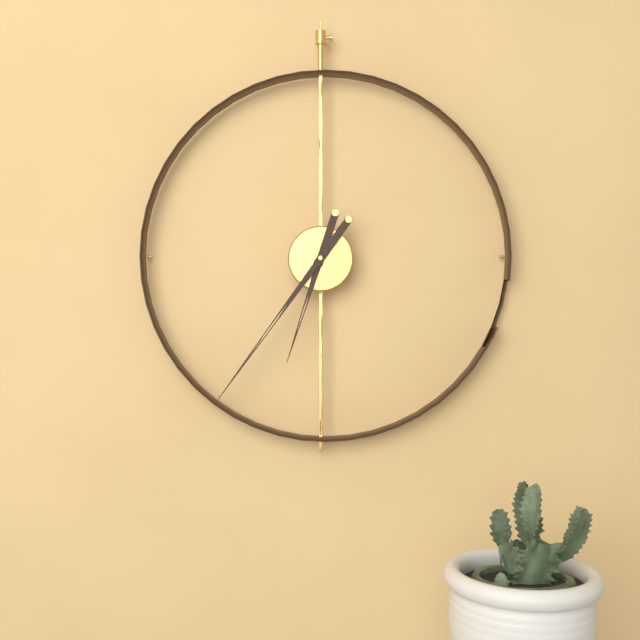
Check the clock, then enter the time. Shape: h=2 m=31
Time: h=6 m=36
